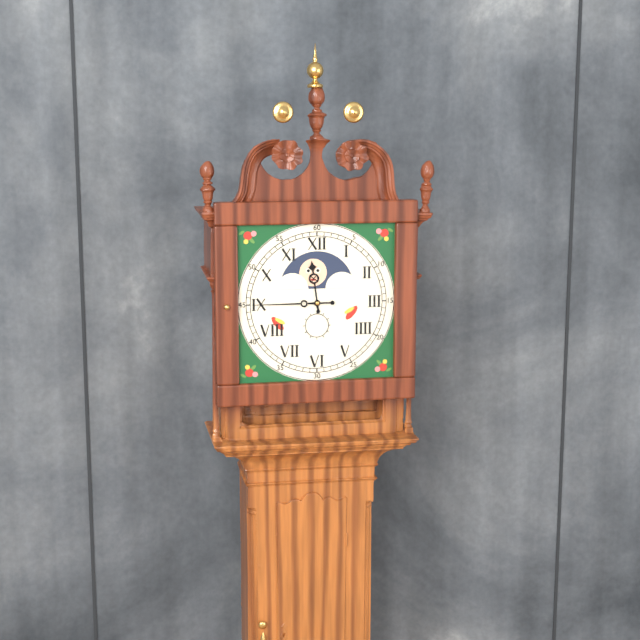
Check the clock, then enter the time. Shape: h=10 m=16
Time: h=11 m=45
